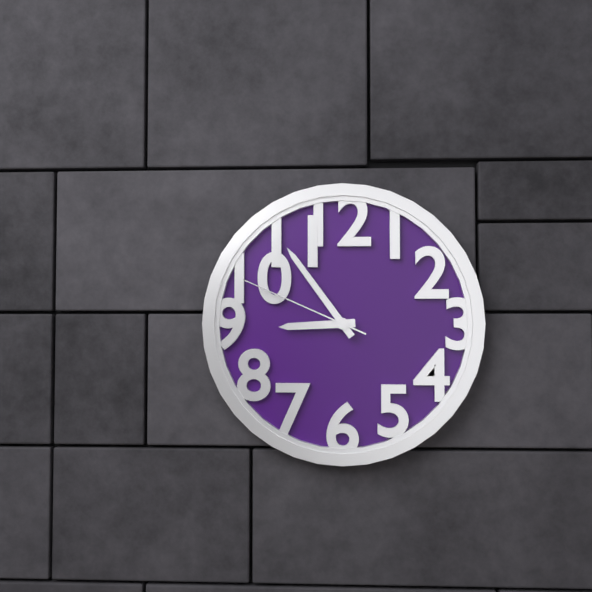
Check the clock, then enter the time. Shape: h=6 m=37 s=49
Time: h=8 m=54 s=49
